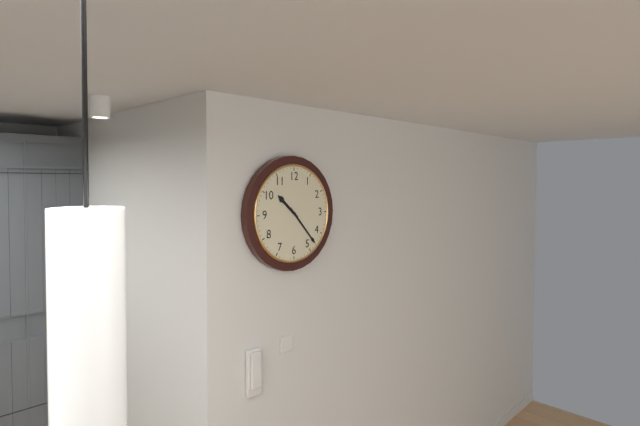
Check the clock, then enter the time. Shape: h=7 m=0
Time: h=10 m=23
